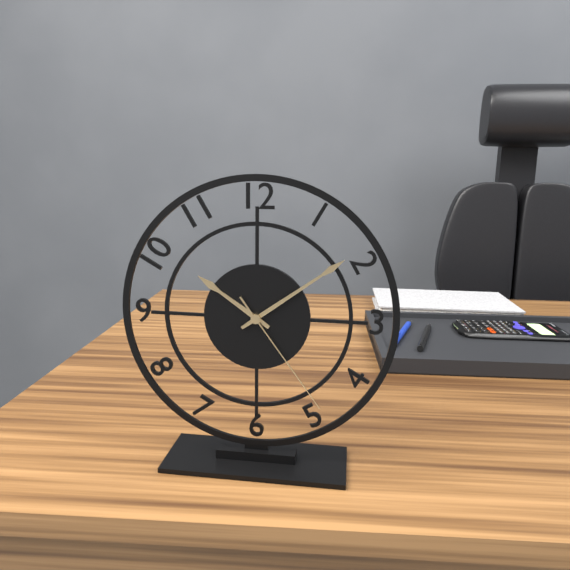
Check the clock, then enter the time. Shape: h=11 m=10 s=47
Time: h=10 m=9 s=24
